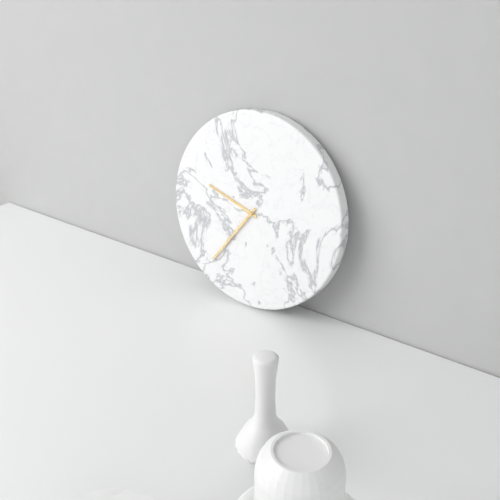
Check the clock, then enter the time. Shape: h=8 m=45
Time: h=9 m=36
